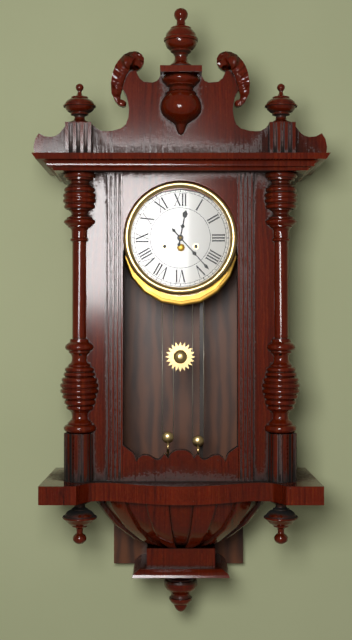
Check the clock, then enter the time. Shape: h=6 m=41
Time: h=12 m=23
